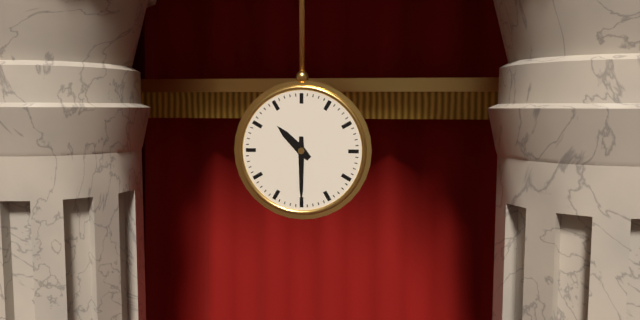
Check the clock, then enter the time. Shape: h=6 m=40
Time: h=10 m=30
